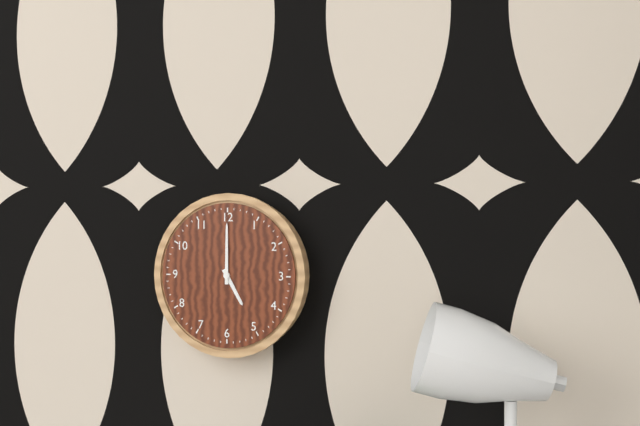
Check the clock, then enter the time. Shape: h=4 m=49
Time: h=5 m=0
